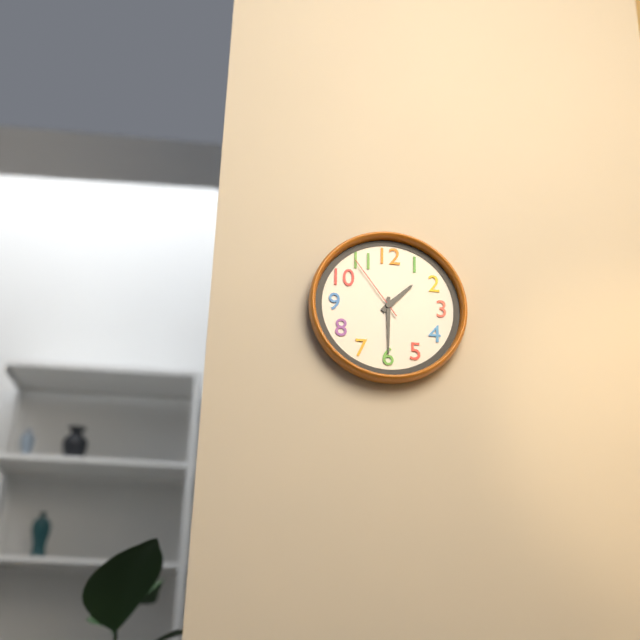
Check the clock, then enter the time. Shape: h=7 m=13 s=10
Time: h=1 m=30 s=54
